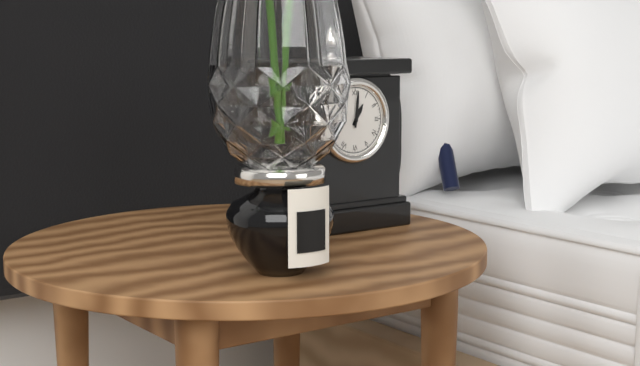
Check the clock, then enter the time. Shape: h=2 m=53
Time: h=1 m=1
